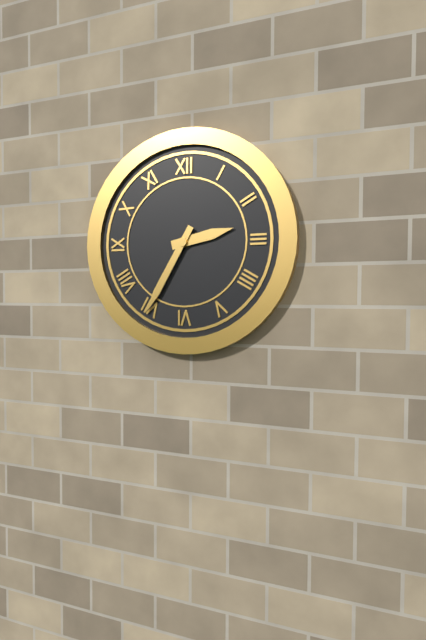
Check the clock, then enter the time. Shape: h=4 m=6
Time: h=2 m=35
